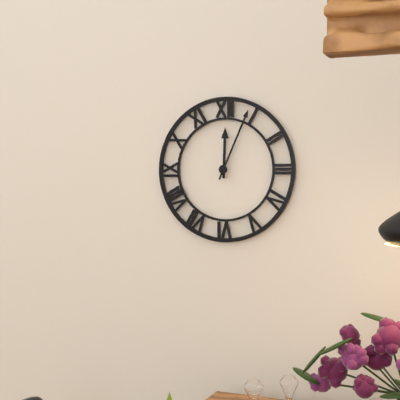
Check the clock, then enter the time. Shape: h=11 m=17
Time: h=12 m=4
